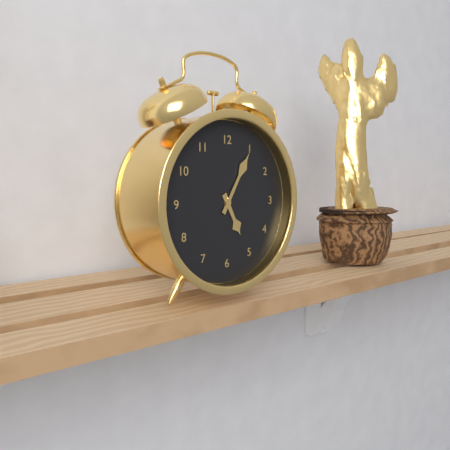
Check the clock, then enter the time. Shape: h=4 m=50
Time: h=5 m=5
